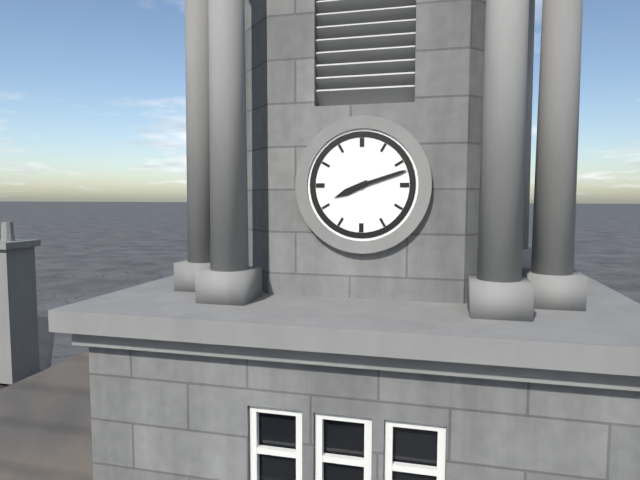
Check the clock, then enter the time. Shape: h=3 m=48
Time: h=8 m=12
